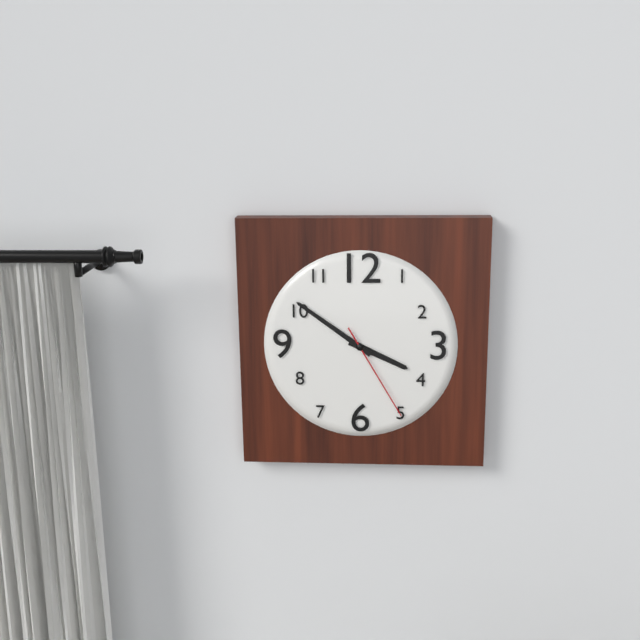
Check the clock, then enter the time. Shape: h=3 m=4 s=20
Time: h=3 m=51 s=25
